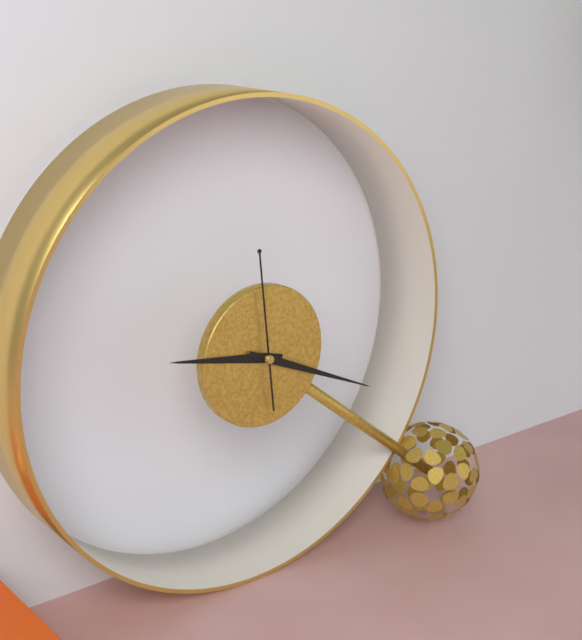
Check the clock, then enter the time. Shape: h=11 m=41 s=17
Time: h=9 m=19 s=59
